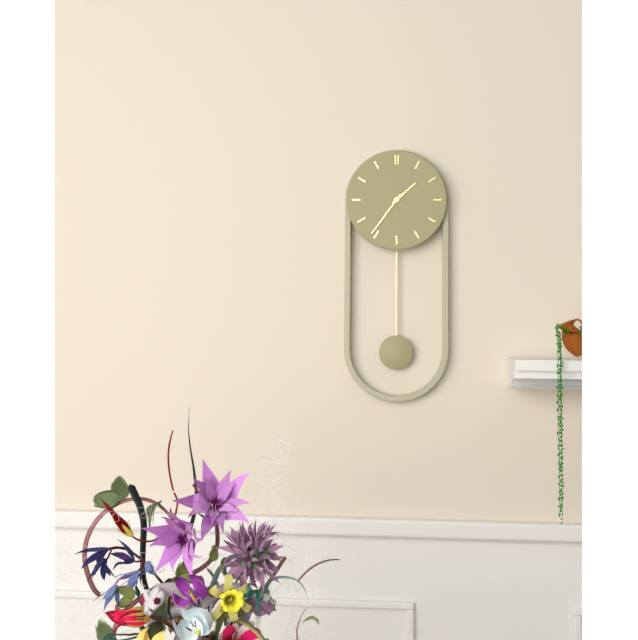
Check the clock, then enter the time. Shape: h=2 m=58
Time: h=1 m=36
